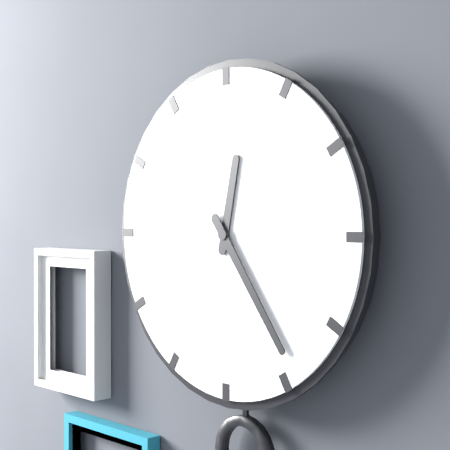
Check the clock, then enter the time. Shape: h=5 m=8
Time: h=12 m=24
